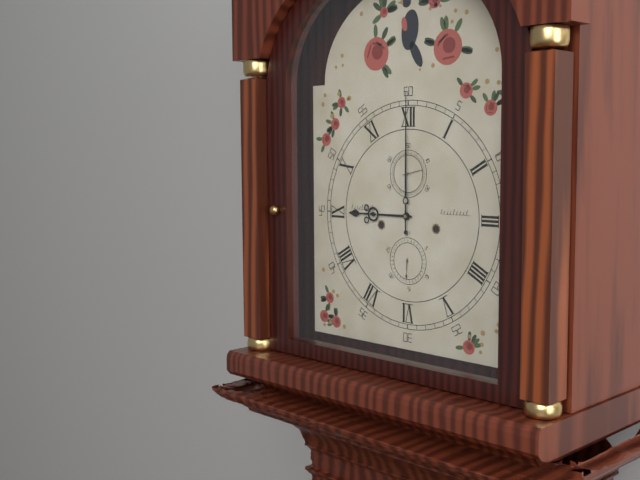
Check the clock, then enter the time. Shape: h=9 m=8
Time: h=9 m=0
